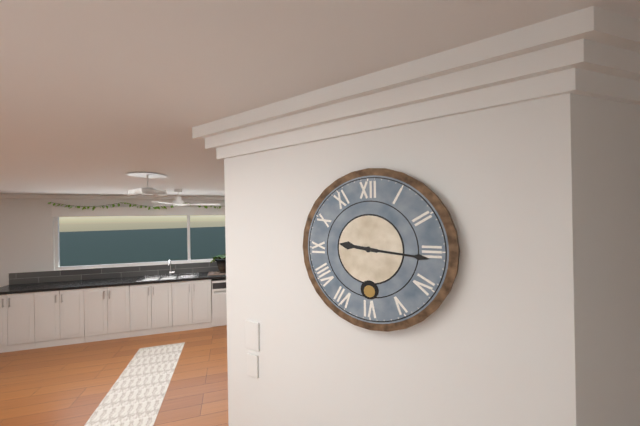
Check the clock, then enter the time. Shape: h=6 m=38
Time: h=9 m=16
